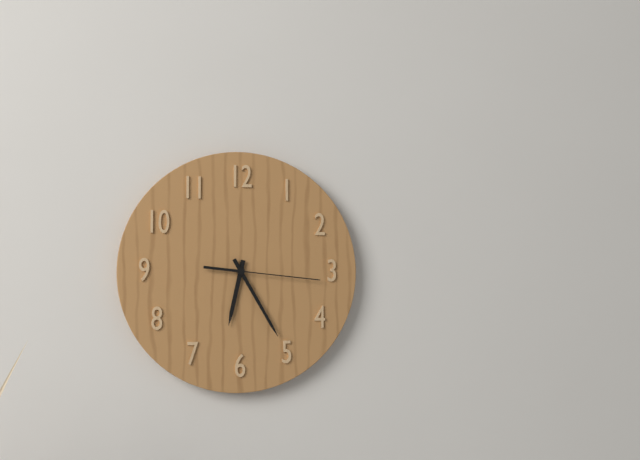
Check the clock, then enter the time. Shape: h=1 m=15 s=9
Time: h=6 m=25 s=16
